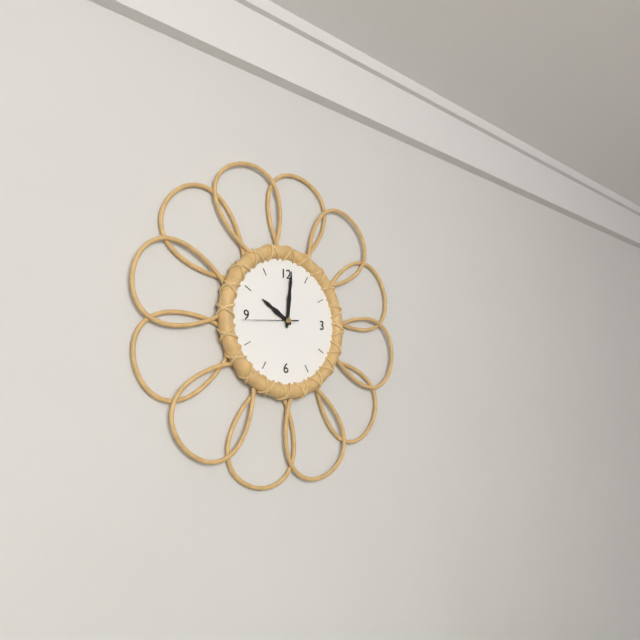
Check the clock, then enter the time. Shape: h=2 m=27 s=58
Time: h=10 m=1 s=44
